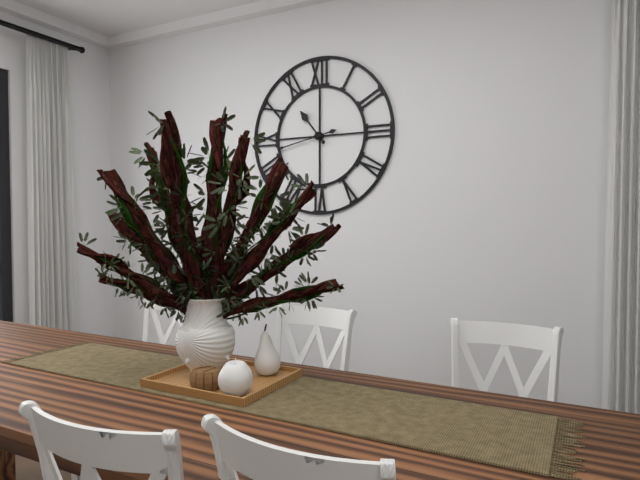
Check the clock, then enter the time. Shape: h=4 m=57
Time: h=10 m=43
